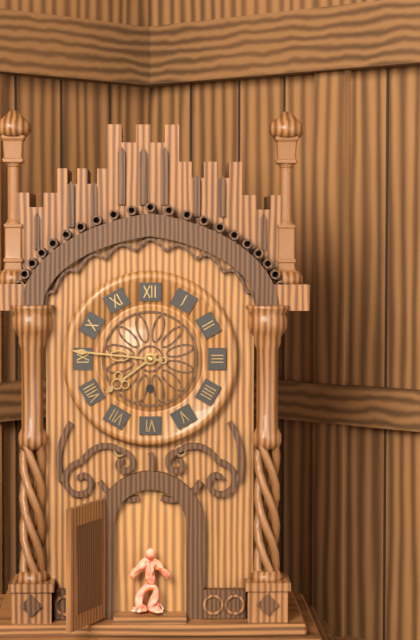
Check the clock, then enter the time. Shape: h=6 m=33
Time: h=7 m=46
